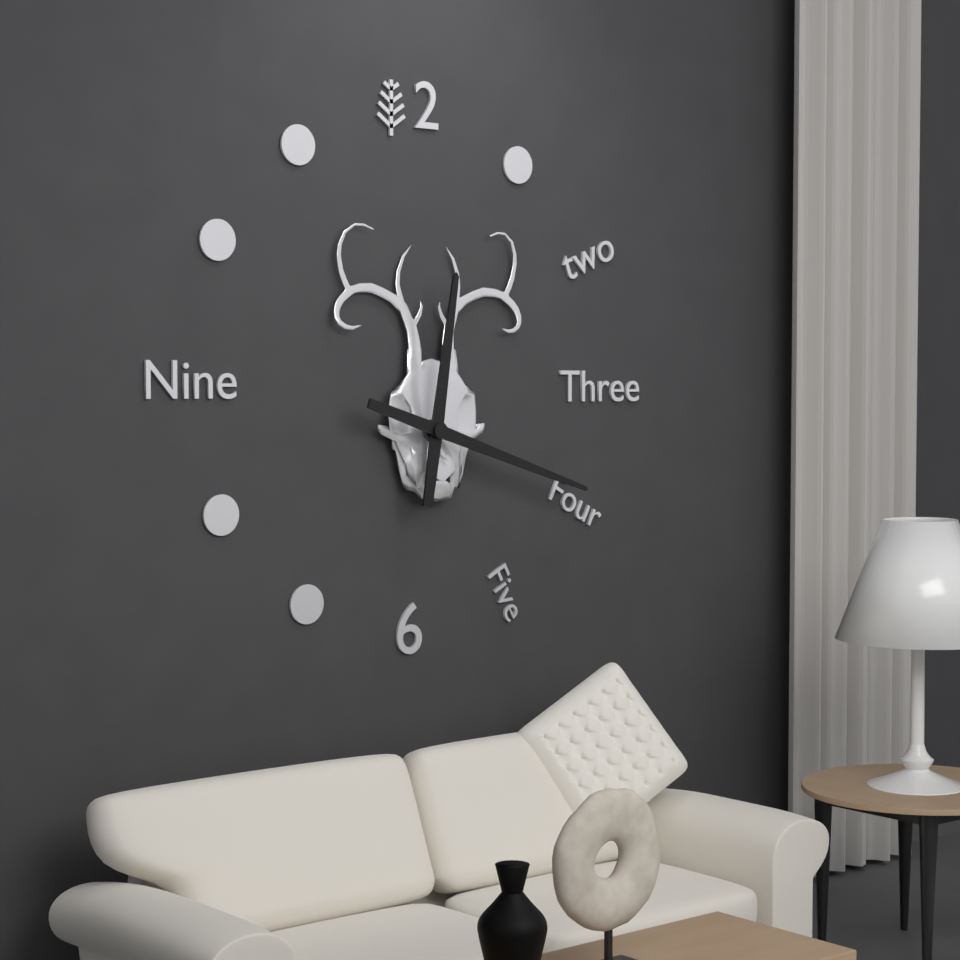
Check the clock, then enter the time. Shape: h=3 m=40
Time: h=12 m=18
